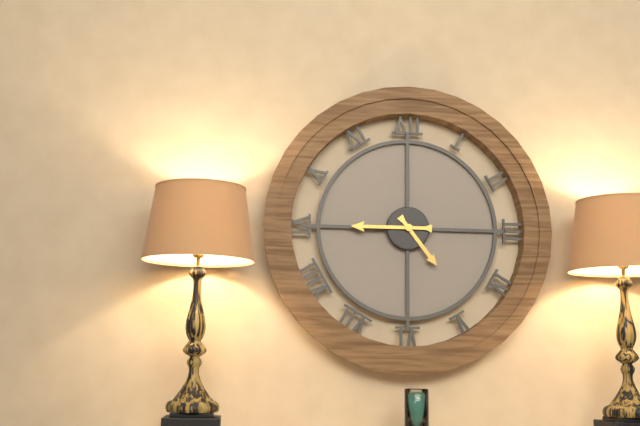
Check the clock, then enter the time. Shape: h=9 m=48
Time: h=4 m=45
